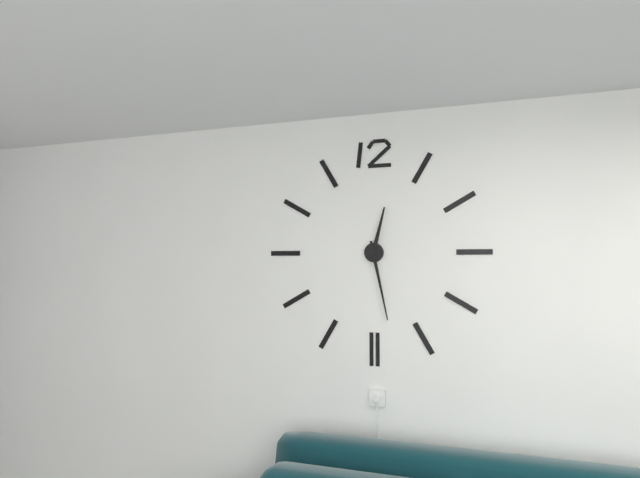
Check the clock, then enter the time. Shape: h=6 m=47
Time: h=12 m=28
